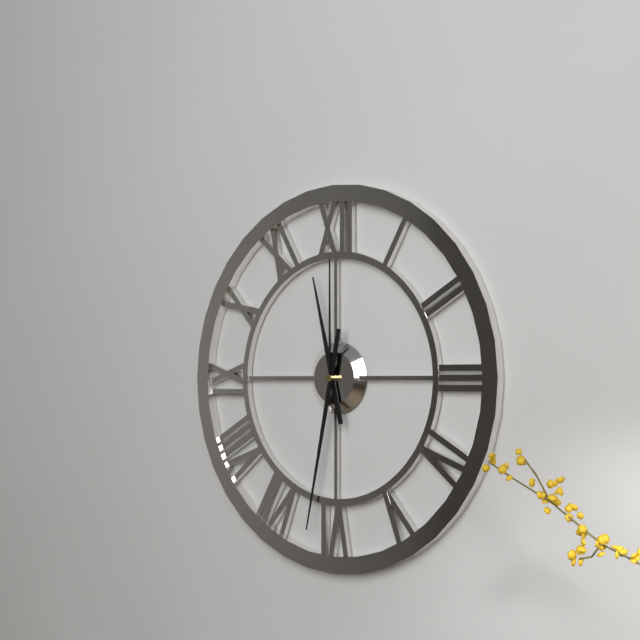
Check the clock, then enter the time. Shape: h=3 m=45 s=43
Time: h=11 m=32 s=0
